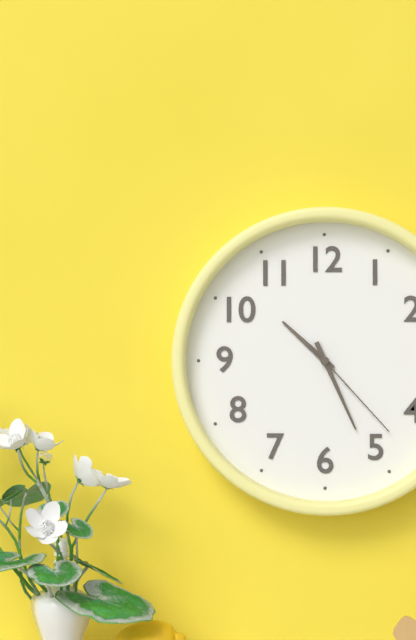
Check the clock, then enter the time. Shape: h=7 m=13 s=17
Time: h=10 m=26 s=23
